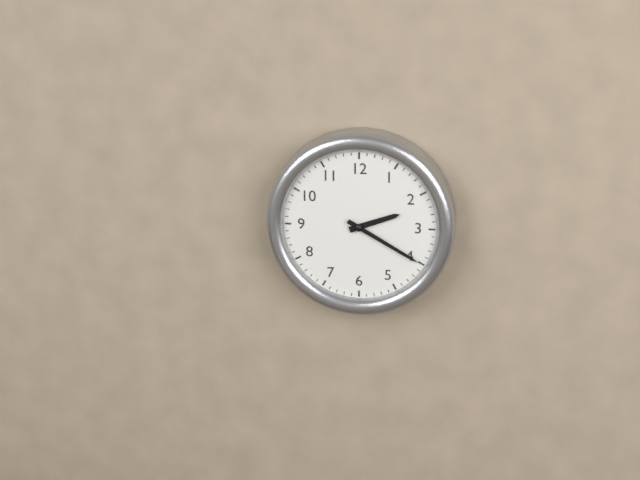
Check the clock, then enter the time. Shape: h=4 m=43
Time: h=2 m=20
